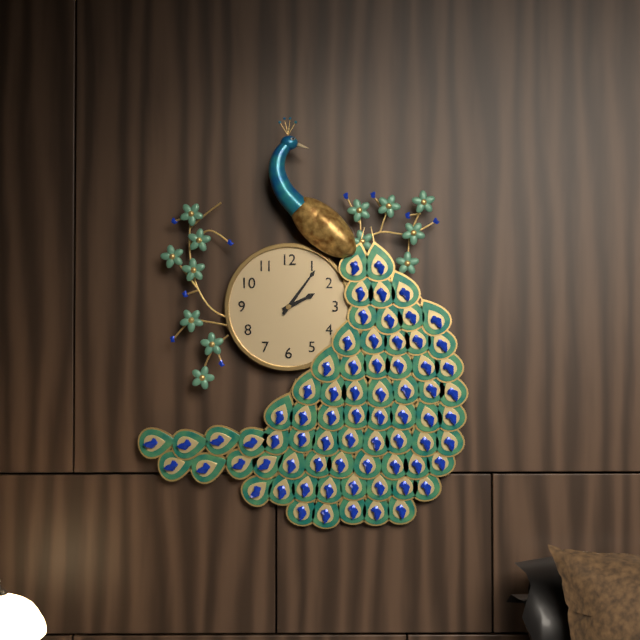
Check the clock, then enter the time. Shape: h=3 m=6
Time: h=2 m=6
